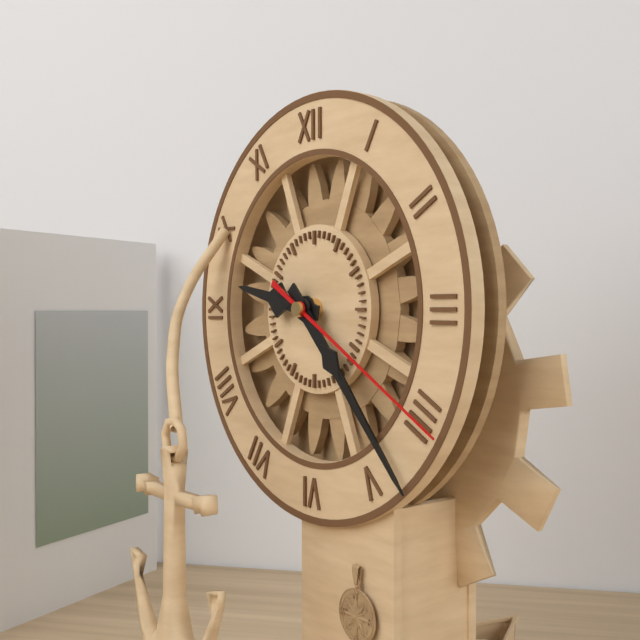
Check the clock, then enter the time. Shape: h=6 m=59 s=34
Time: h=9 m=23 s=20
